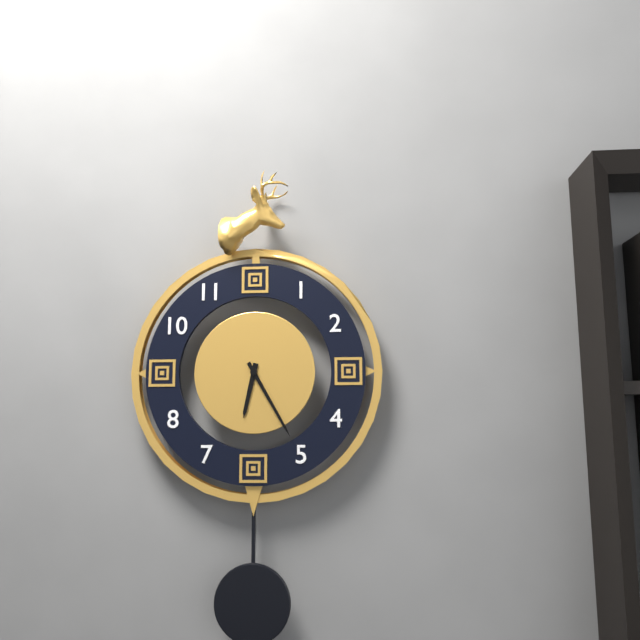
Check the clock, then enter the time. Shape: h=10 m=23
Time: h=6 m=25
